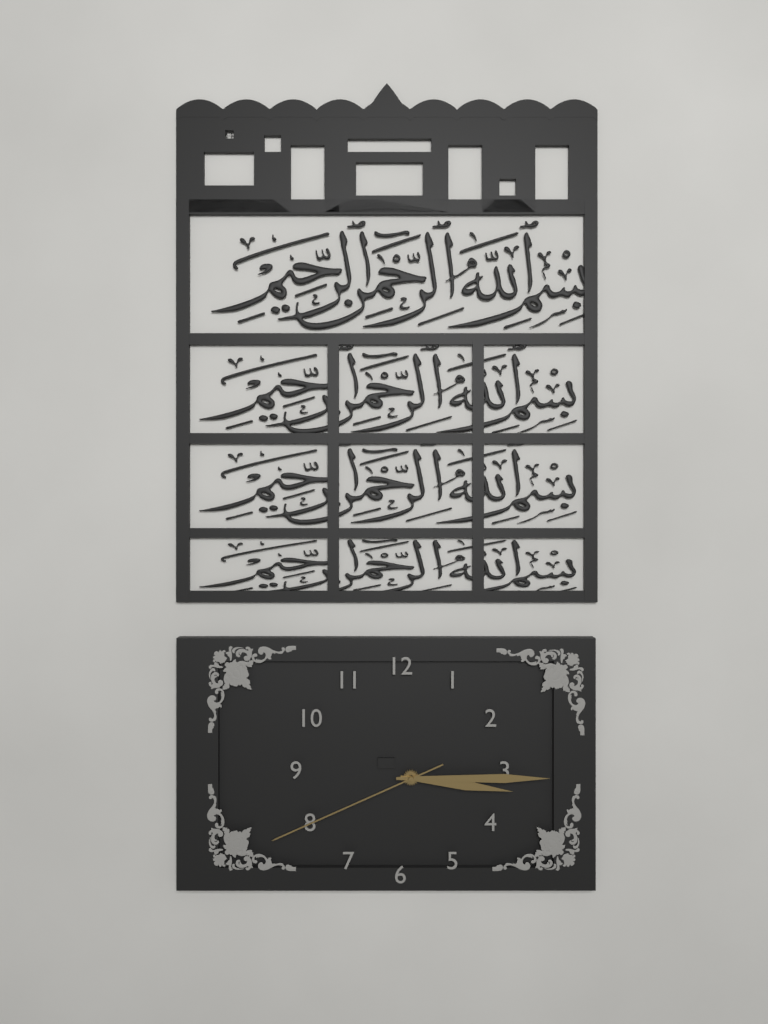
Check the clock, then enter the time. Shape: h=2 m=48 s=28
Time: h=3 m=15 s=41
